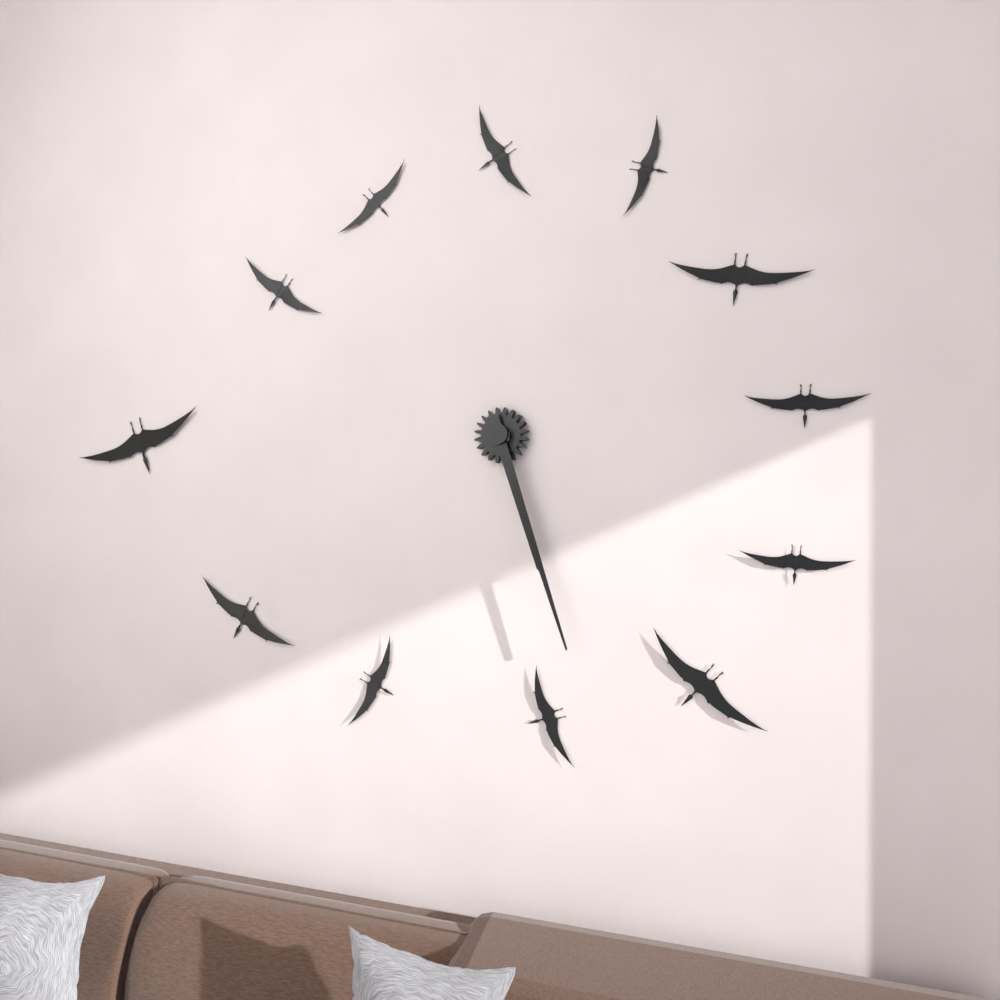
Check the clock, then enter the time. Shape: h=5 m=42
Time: h=5 m=27
